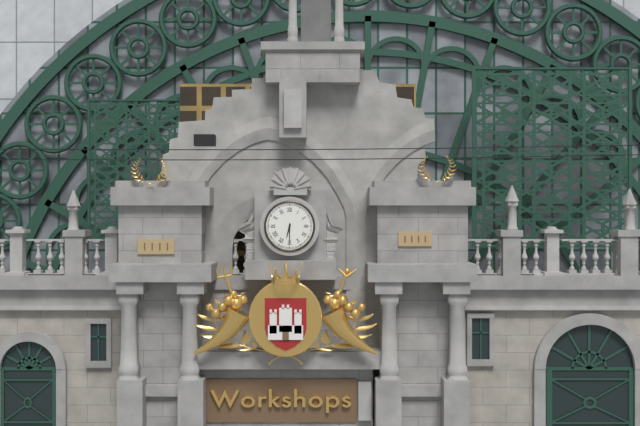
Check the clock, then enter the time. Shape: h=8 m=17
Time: h=6 m=30
